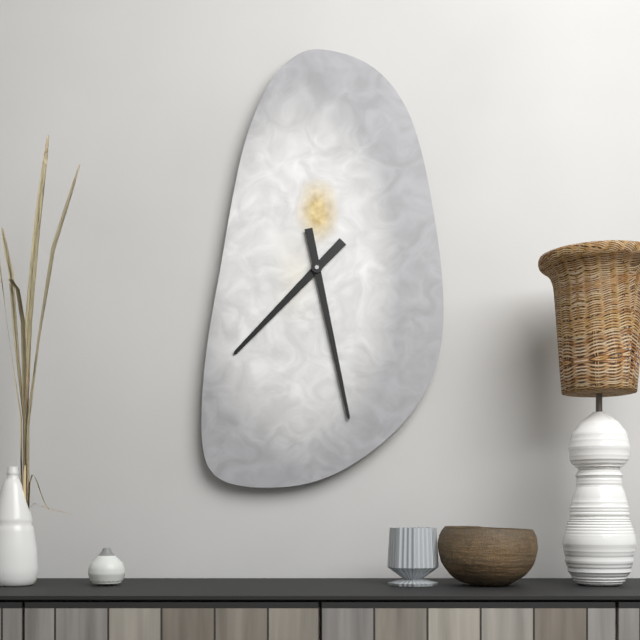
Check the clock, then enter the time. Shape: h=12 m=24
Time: h=7 m=28
